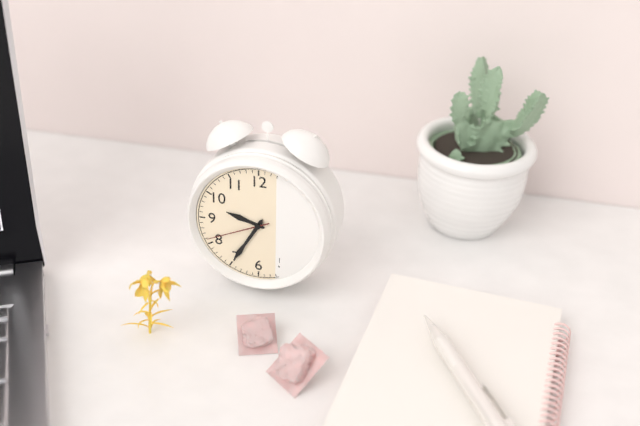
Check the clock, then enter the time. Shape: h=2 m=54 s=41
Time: h=9 m=35 s=41
